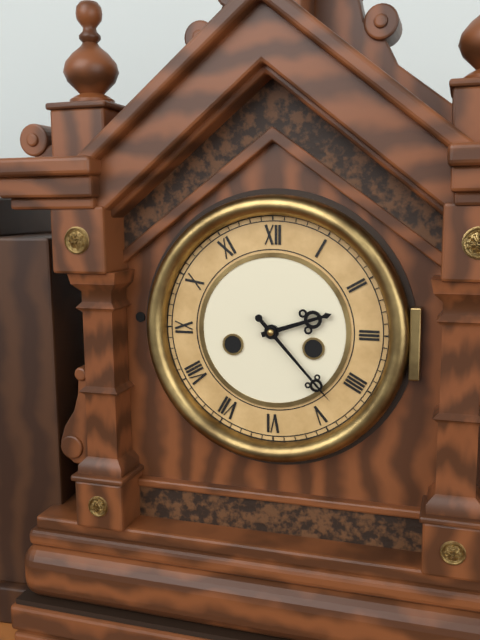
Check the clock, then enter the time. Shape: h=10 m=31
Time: h=2 m=23
